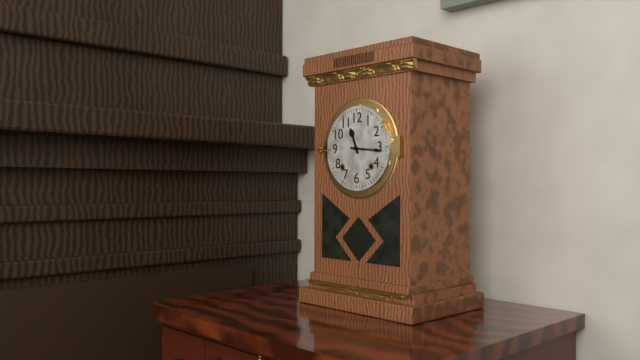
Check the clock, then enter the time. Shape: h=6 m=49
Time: h=11 m=16
